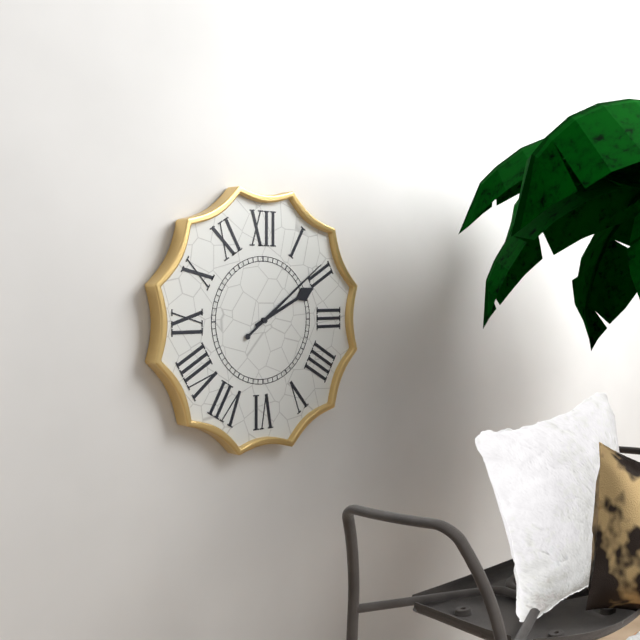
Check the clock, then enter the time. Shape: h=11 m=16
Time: h=2 m=9
